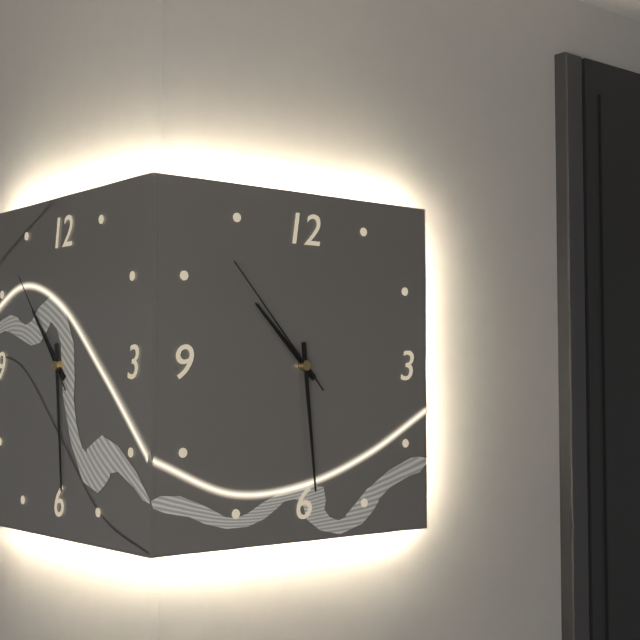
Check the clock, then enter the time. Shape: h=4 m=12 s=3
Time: h=10 m=29 s=53
